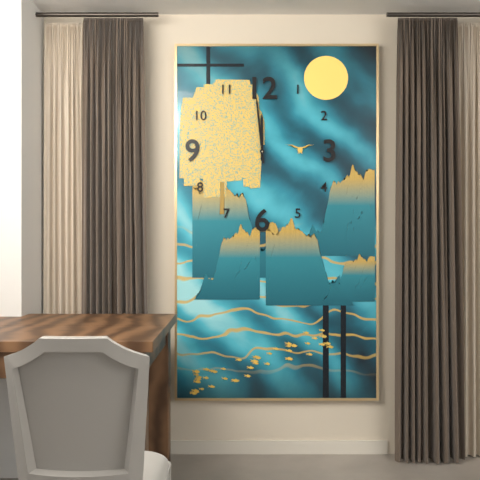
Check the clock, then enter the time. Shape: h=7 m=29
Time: h=11 m=59
